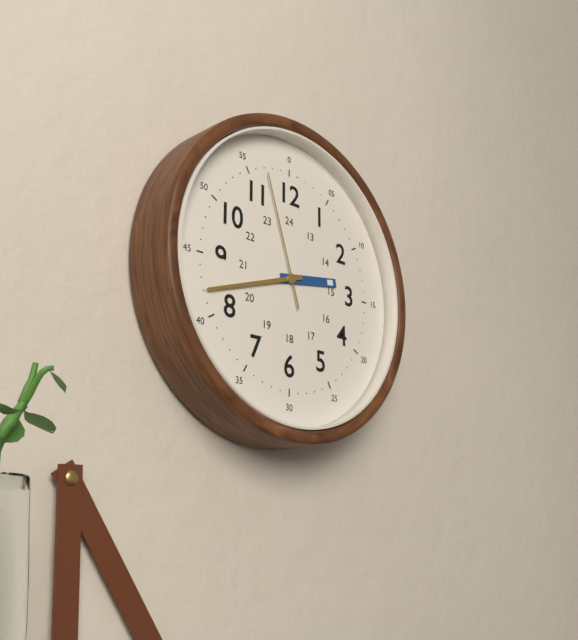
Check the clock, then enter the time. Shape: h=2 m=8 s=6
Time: h=2 m=42 s=57
